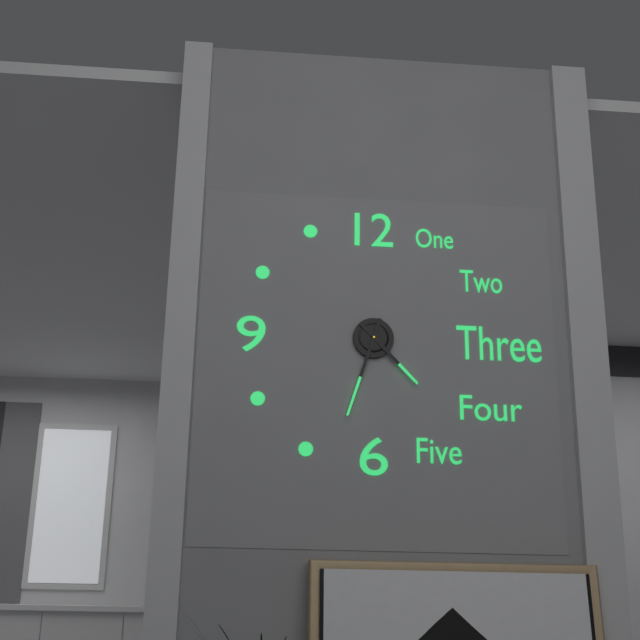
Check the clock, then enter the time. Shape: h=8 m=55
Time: h=4 m=33
